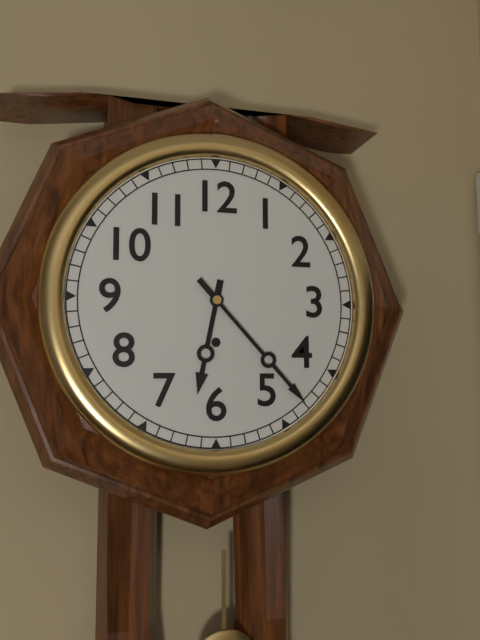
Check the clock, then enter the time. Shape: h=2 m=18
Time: h=6 m=23
